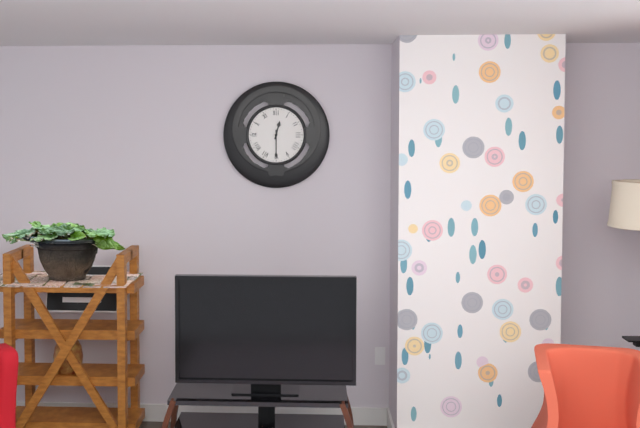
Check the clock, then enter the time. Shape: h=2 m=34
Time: h=12 m=30
